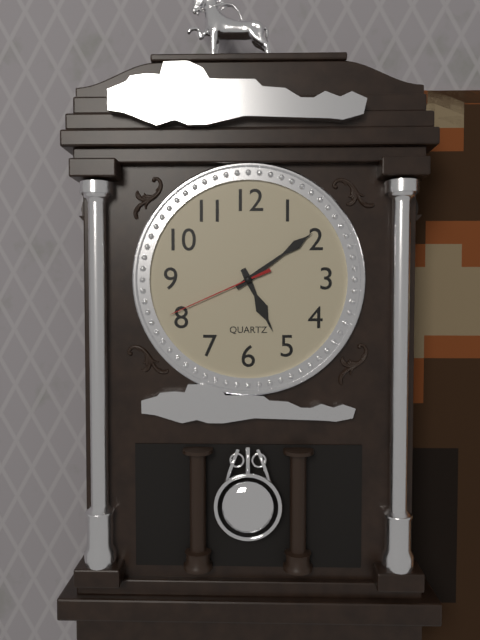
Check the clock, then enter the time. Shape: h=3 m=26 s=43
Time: h=5 m=9 s=41
